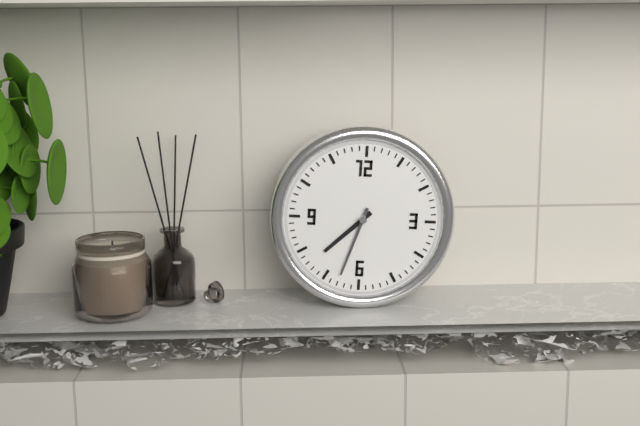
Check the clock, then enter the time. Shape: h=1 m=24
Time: h=7 m=33
